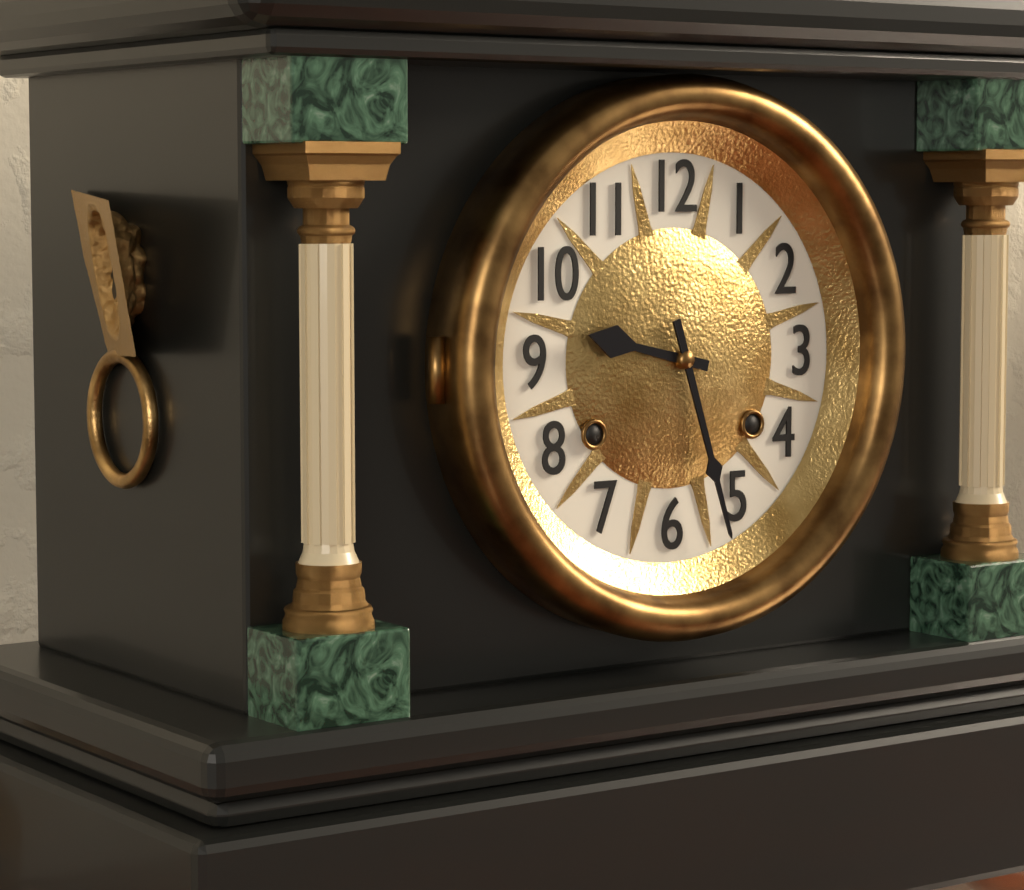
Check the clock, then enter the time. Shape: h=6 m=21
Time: h=9 m=27
